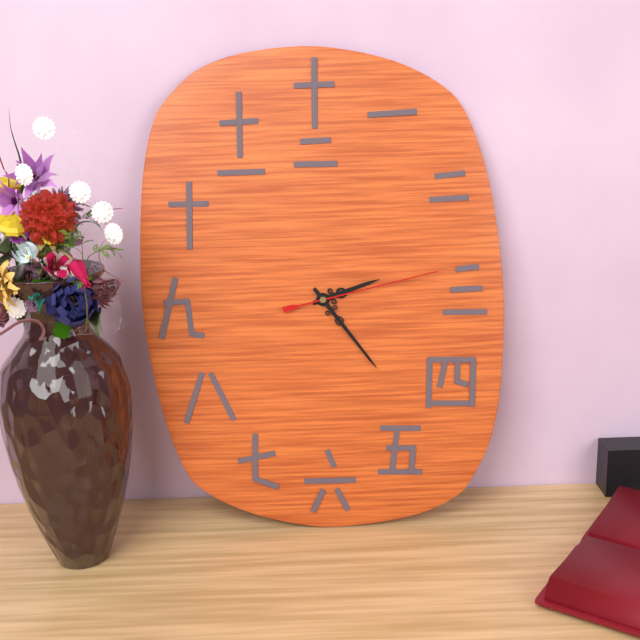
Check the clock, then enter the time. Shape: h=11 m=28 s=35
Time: h=2 m=24 s=13
